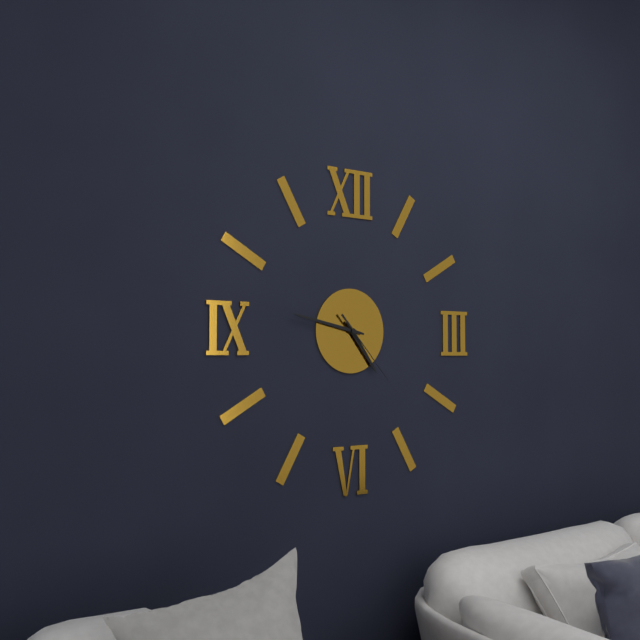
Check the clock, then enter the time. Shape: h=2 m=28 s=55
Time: h=4 m=47 s=23
